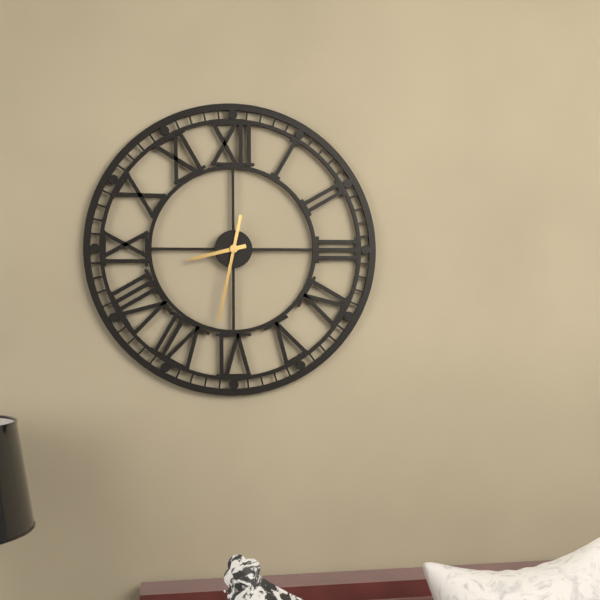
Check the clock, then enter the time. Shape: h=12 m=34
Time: h=8 m=32
